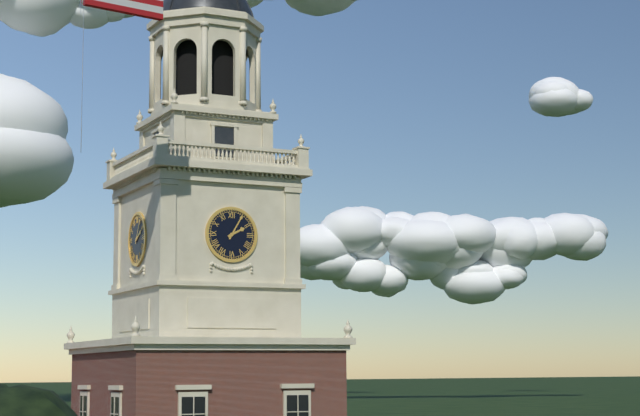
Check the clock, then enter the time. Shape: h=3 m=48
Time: h=2 m=5
